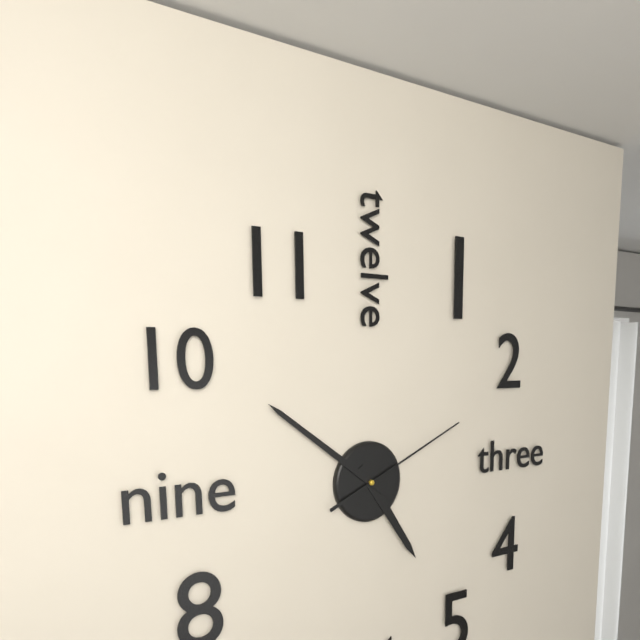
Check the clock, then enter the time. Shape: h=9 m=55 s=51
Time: h=4 m=51 s=11
